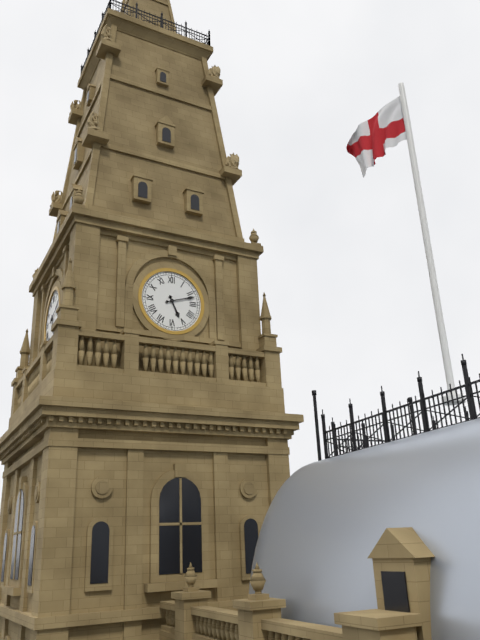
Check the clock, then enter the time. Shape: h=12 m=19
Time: h=5 m=12
